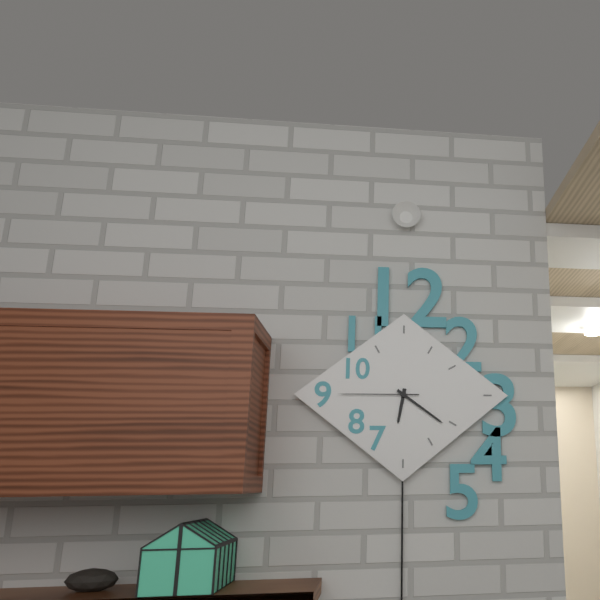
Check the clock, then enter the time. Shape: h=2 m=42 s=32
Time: h=6 m=21 s=45
